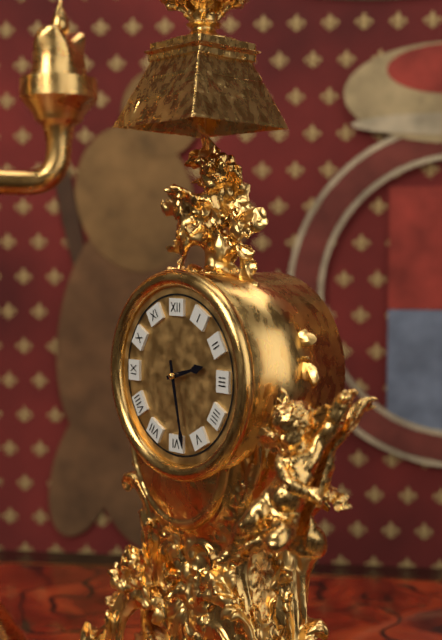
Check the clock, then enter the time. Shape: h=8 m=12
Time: h=2 m=28
